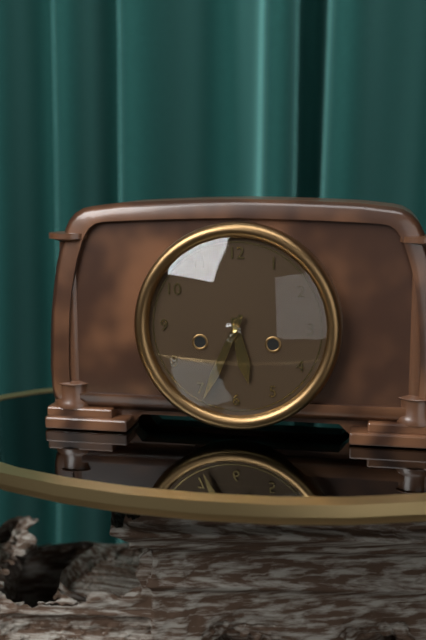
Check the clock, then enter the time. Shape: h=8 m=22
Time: h=5 m=34
